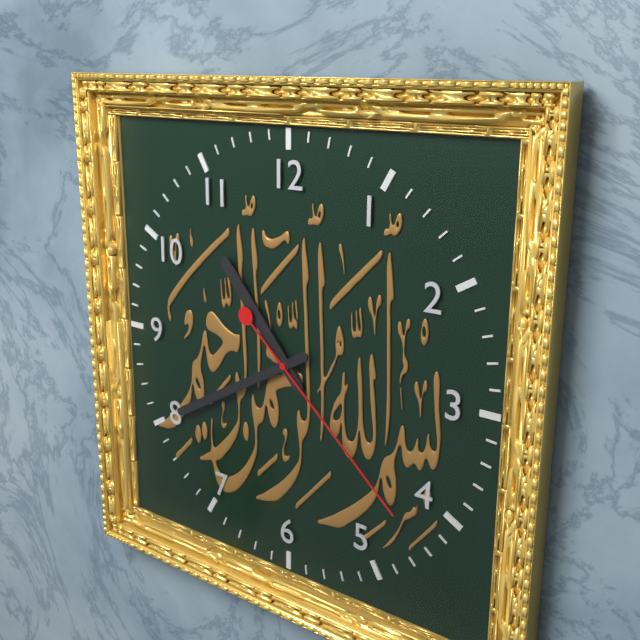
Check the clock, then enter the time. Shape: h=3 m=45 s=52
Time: h=10 m=40 s=22
